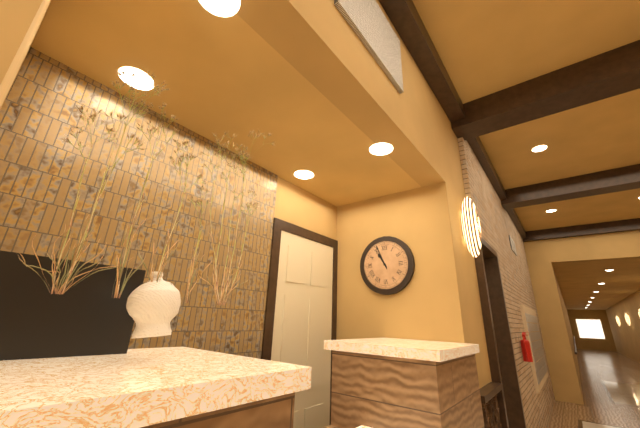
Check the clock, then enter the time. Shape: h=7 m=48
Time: h=10 m=56
